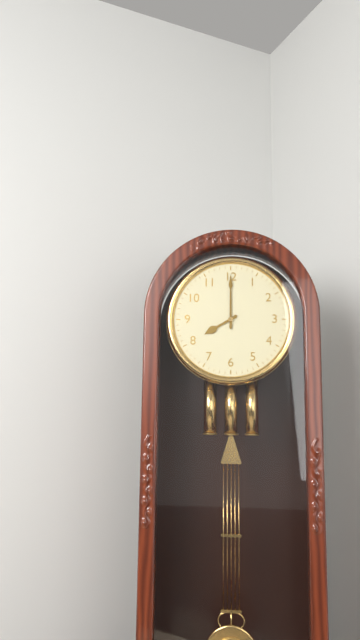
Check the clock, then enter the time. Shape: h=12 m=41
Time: h=8 m=0
